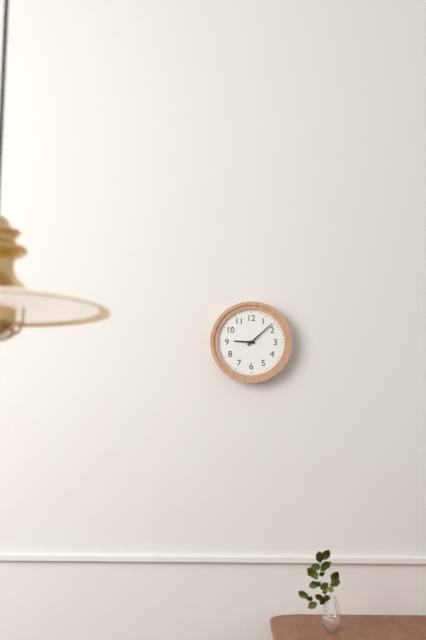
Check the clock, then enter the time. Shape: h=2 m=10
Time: h=9 m=8
